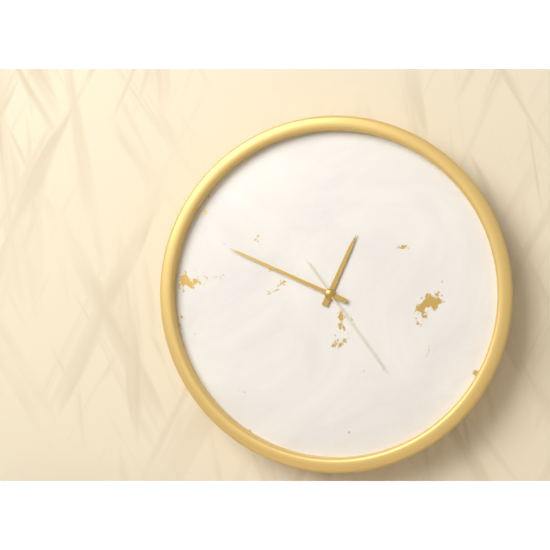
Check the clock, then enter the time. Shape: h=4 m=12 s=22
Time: h=12 m=49 s=24
